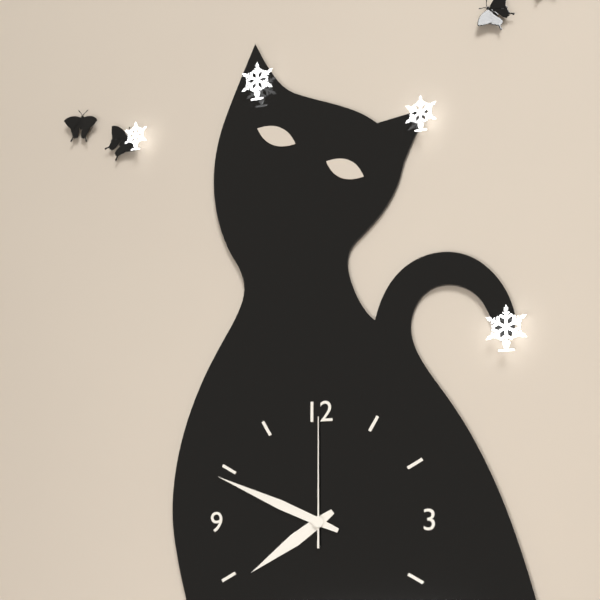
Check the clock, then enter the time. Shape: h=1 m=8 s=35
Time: h=7 m=49 s=0
